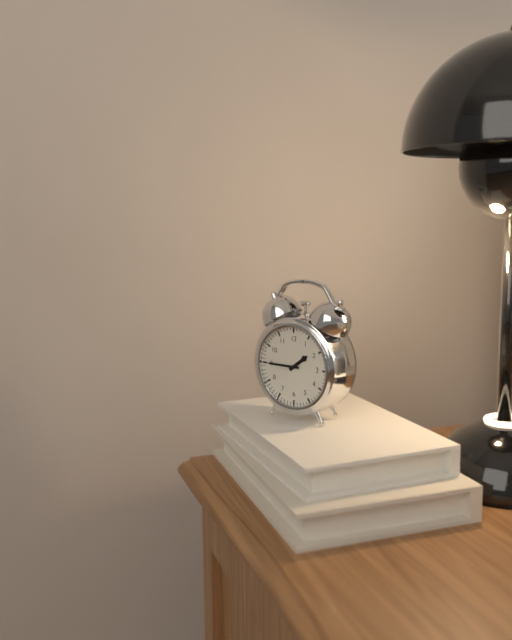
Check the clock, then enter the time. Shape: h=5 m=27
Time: h=1 m=45
